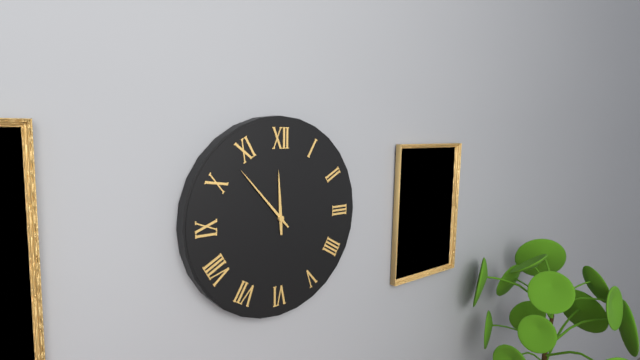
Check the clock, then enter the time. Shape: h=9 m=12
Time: h=11 m=53
